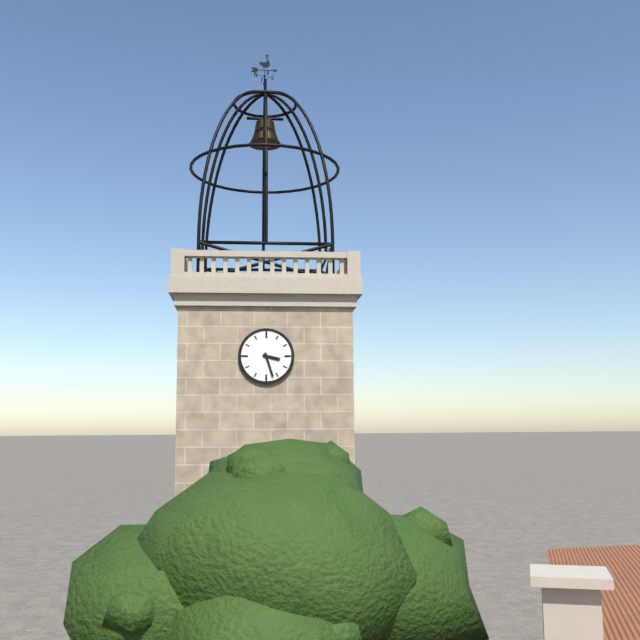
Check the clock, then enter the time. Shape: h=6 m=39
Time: h=3 m=27
